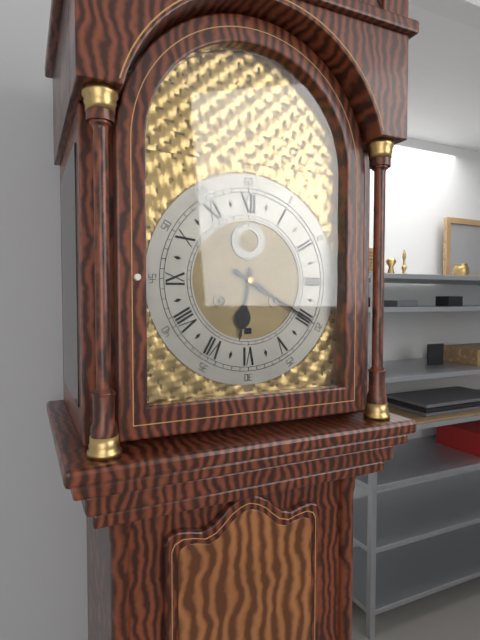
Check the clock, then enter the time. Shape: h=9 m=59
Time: h=6 m=20
